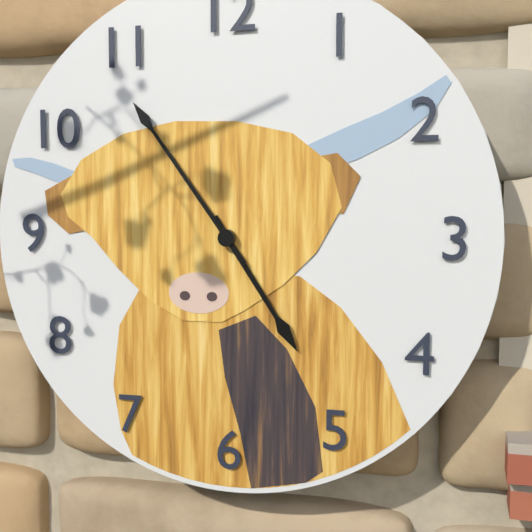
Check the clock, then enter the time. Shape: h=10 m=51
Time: h=4 m=54
